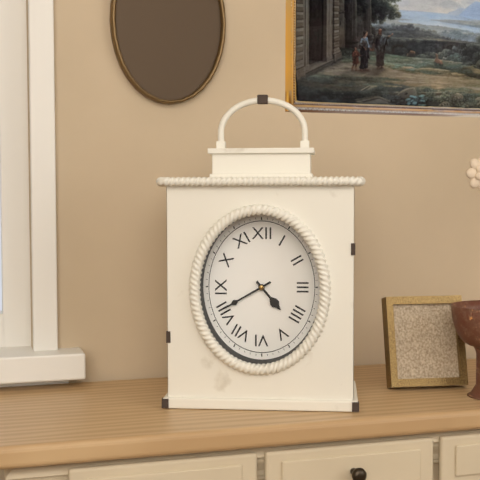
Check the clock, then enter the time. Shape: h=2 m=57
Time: h=4 m=40
